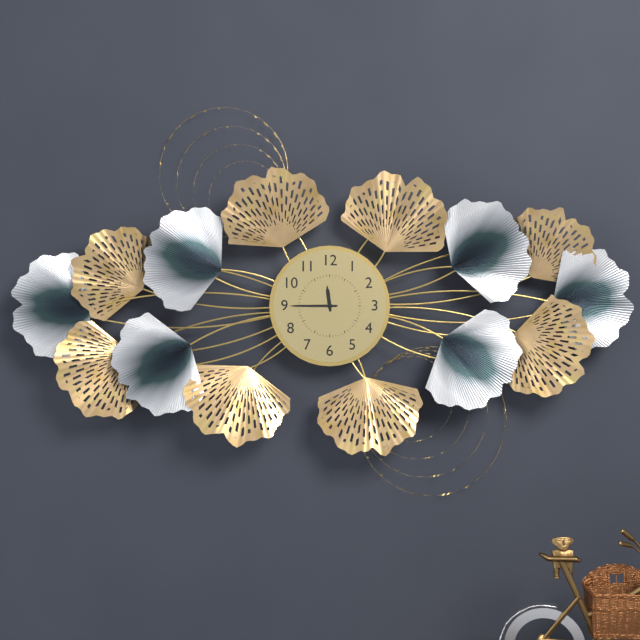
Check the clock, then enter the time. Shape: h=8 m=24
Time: h=11 m=45
